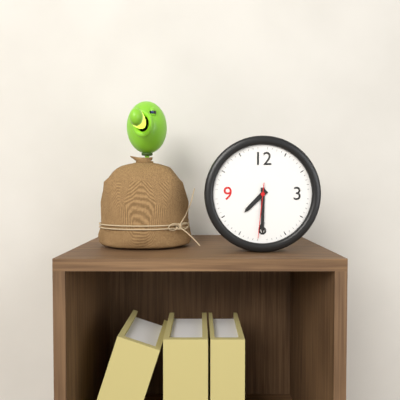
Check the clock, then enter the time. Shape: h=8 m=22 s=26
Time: h=7 m=30 s=31
